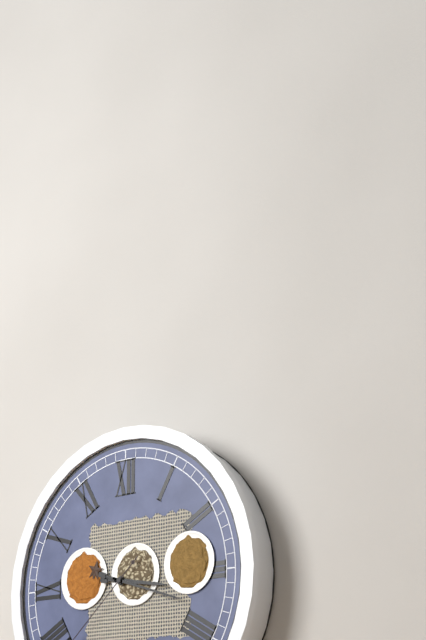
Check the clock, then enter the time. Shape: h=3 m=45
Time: h=3 m=18
